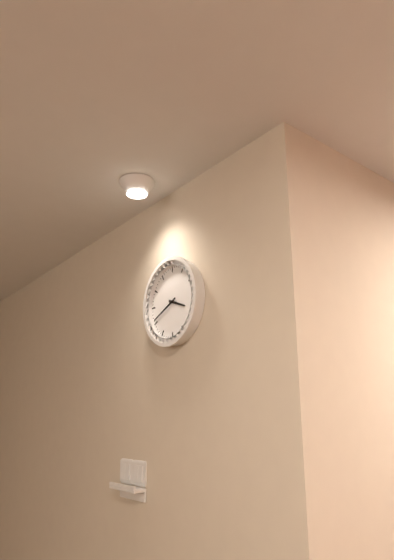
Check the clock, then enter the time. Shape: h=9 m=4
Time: h=3 m=41
